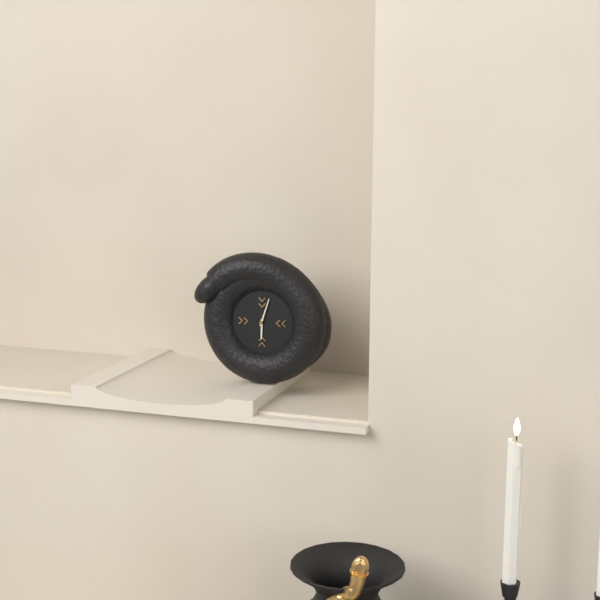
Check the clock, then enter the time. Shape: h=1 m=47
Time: h=6 m=3
